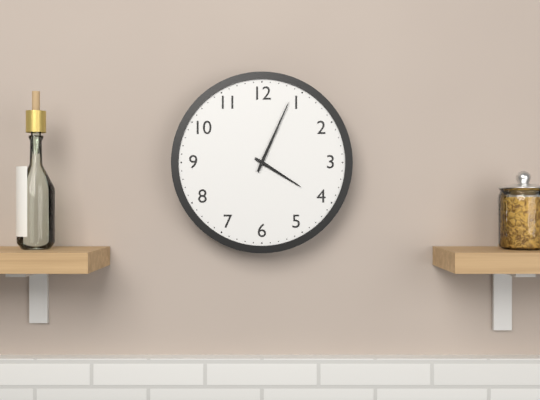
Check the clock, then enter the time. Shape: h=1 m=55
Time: h=4 m=4
